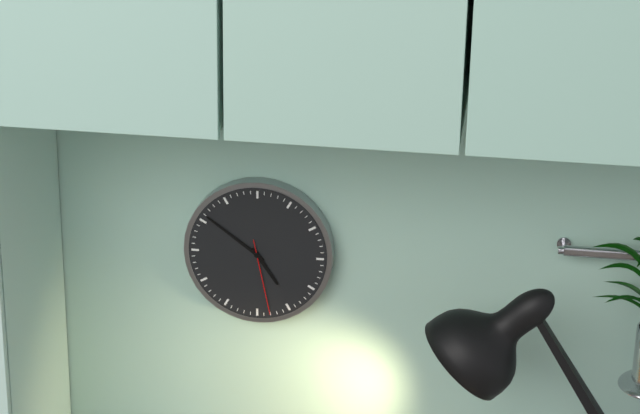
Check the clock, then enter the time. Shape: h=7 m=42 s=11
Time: h=4 m=51 s=28
